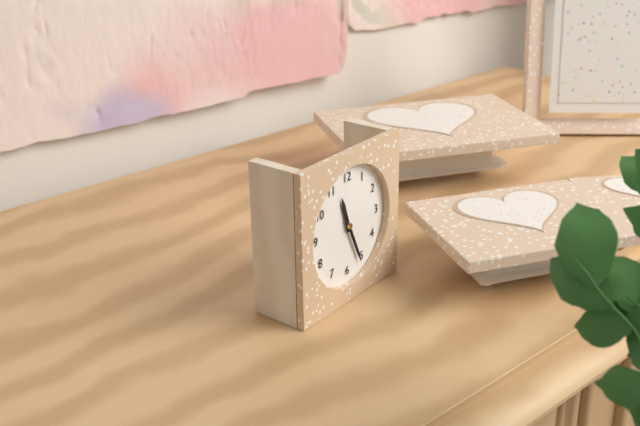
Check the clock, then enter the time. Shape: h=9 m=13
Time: h=11 m=26
